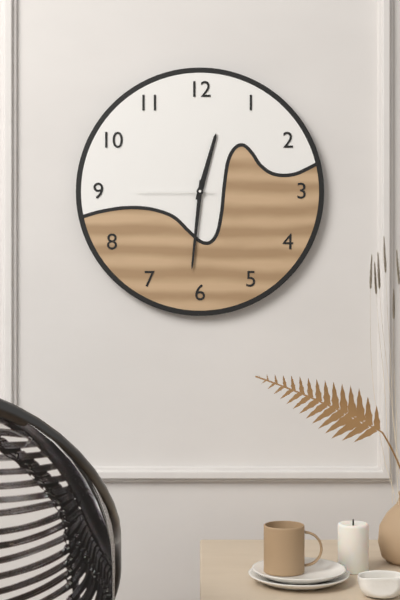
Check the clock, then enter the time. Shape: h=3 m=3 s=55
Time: h=12 m=31 s=45
